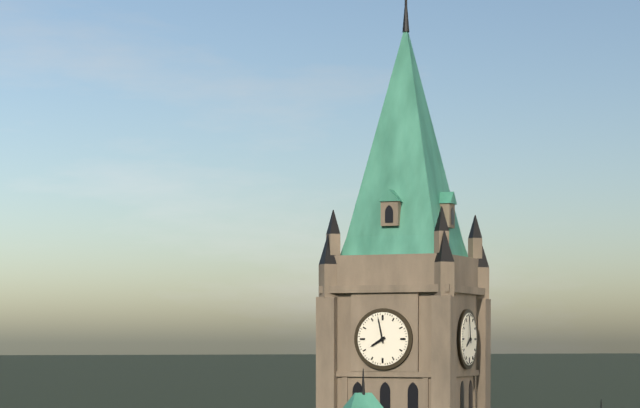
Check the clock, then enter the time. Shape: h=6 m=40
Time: h=7 m=58
